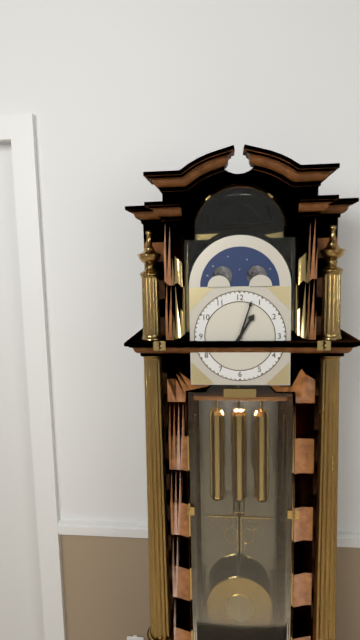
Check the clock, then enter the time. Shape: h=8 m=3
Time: h=1 m=3
